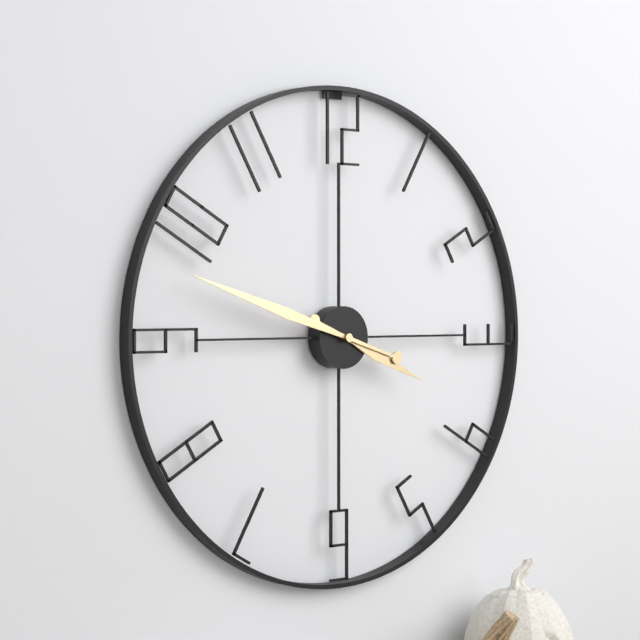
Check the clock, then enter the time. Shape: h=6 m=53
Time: h=3 m=48
